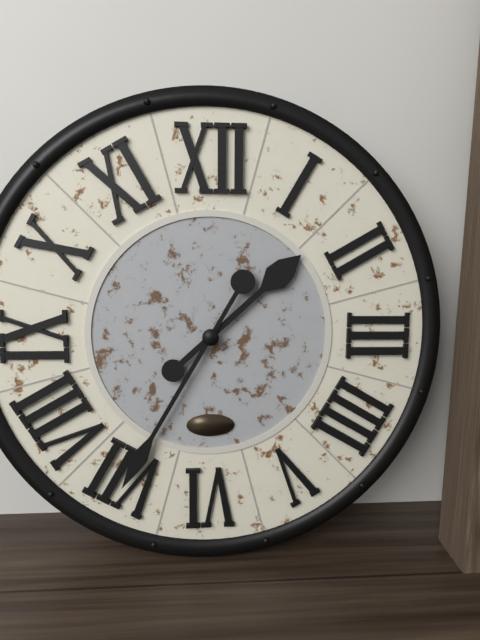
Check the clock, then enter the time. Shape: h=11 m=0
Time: h=1 m=35
